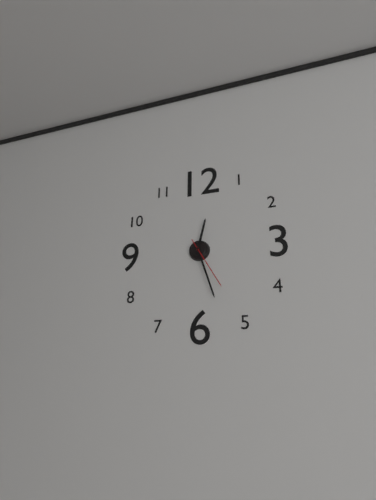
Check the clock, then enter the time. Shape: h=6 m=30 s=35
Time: h=12 m=27 s=25
